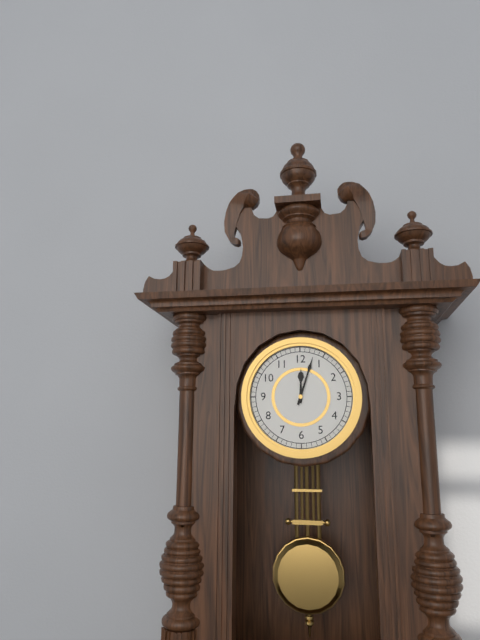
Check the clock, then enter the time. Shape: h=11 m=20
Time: h=12 m=3
